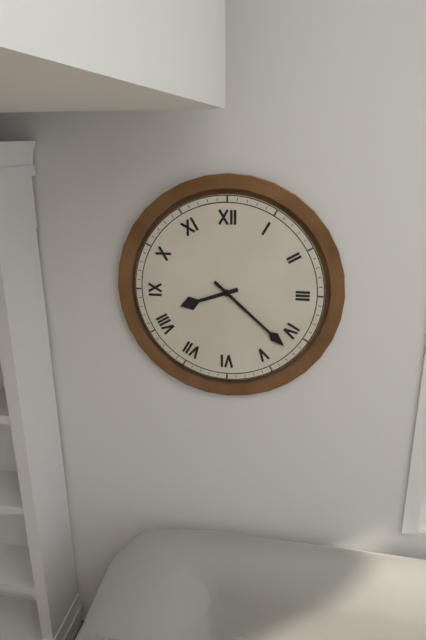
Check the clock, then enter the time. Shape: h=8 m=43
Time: h=8 m=22
